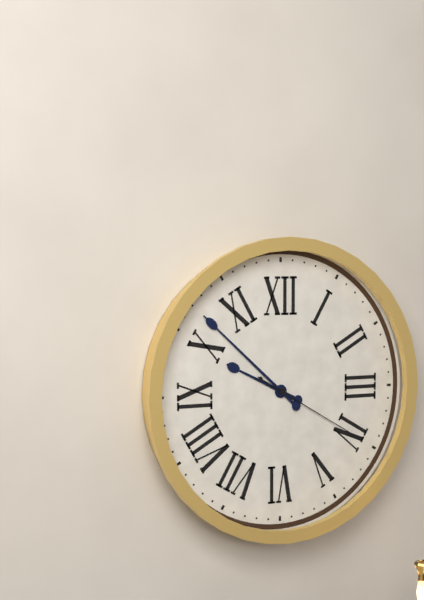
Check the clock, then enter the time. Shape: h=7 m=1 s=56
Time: h=9 m=52 s=20
